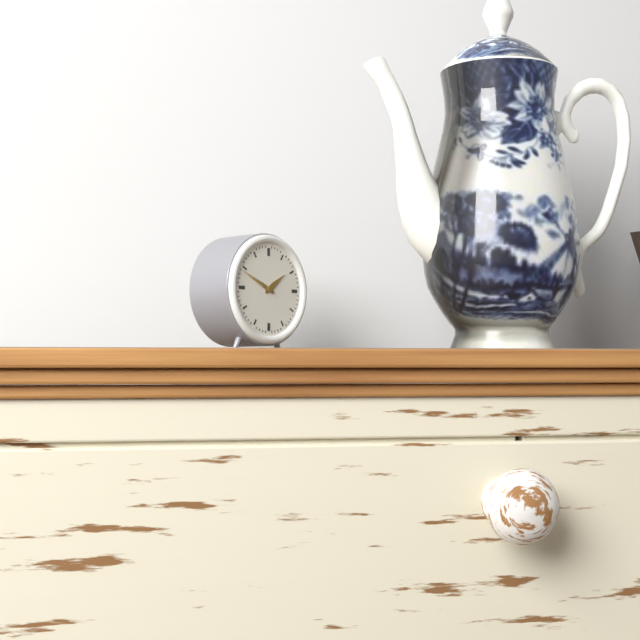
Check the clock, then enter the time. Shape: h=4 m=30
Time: h=1 m=49
